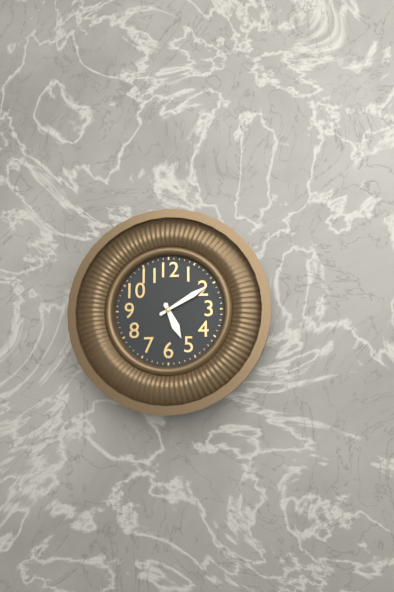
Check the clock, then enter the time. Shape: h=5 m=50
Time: h=5 m=10
